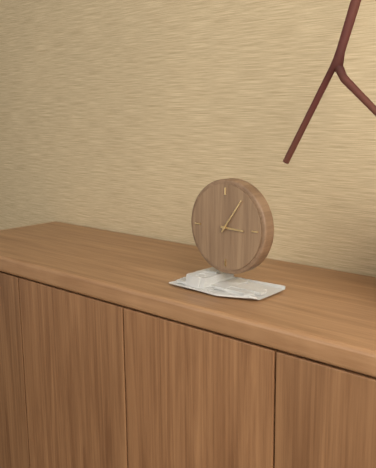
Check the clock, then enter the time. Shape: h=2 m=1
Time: h=3 m=6
